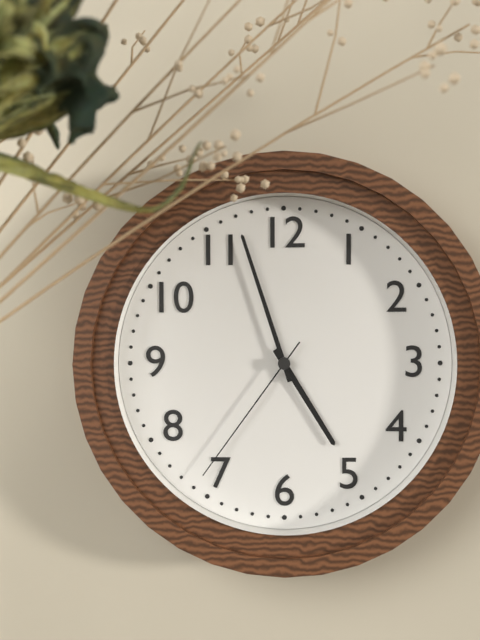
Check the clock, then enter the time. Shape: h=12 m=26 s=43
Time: h=4 m=57 s=36
